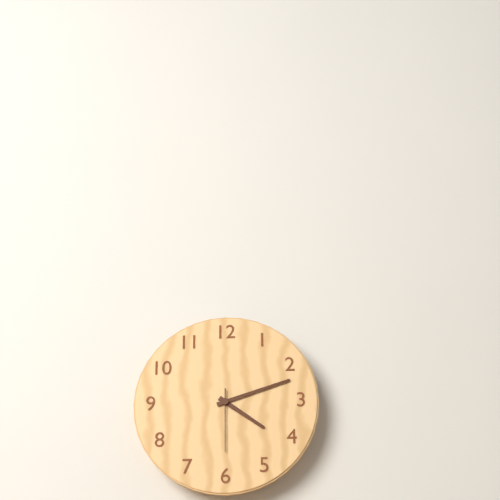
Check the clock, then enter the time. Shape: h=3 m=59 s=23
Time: h=4 m=12 s=30
